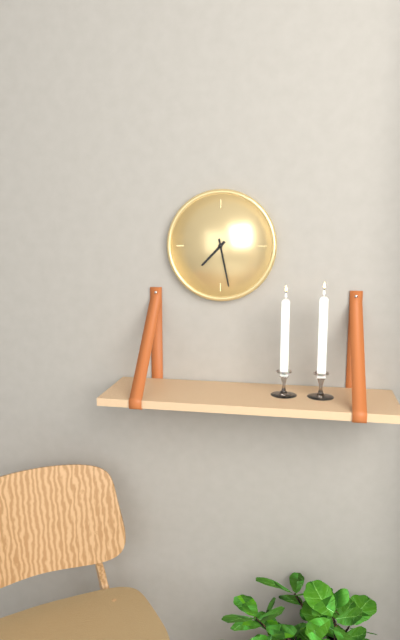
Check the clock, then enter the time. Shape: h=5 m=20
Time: h=7 m=28
